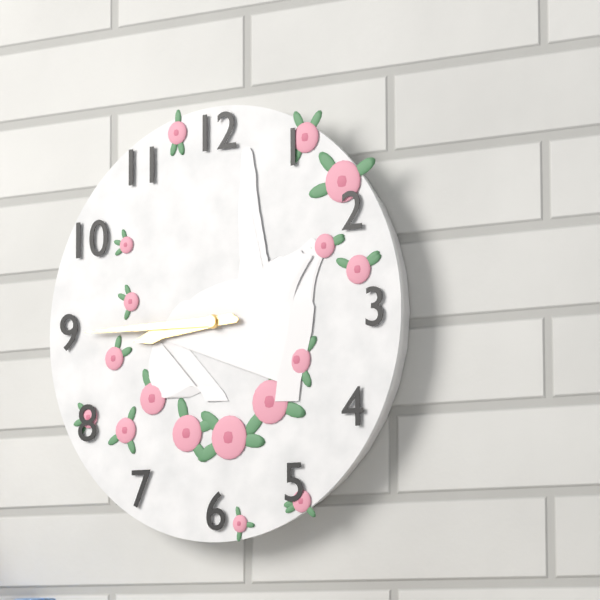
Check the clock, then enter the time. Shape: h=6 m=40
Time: h=8 m=45
